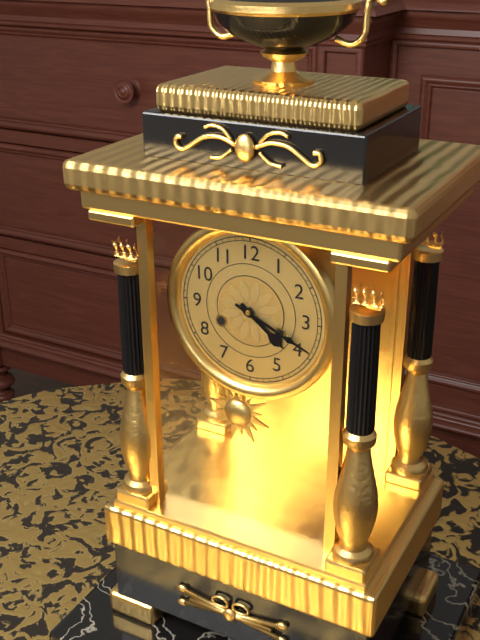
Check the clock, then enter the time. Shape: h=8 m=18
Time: h=4 m=19
